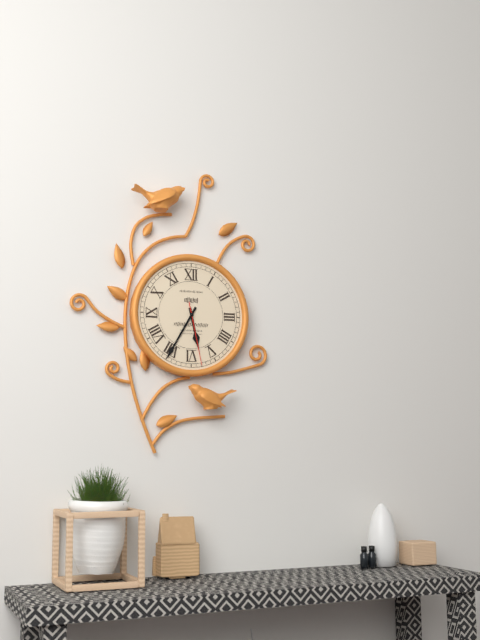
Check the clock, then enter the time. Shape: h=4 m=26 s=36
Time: h=5 m=35 s=28
